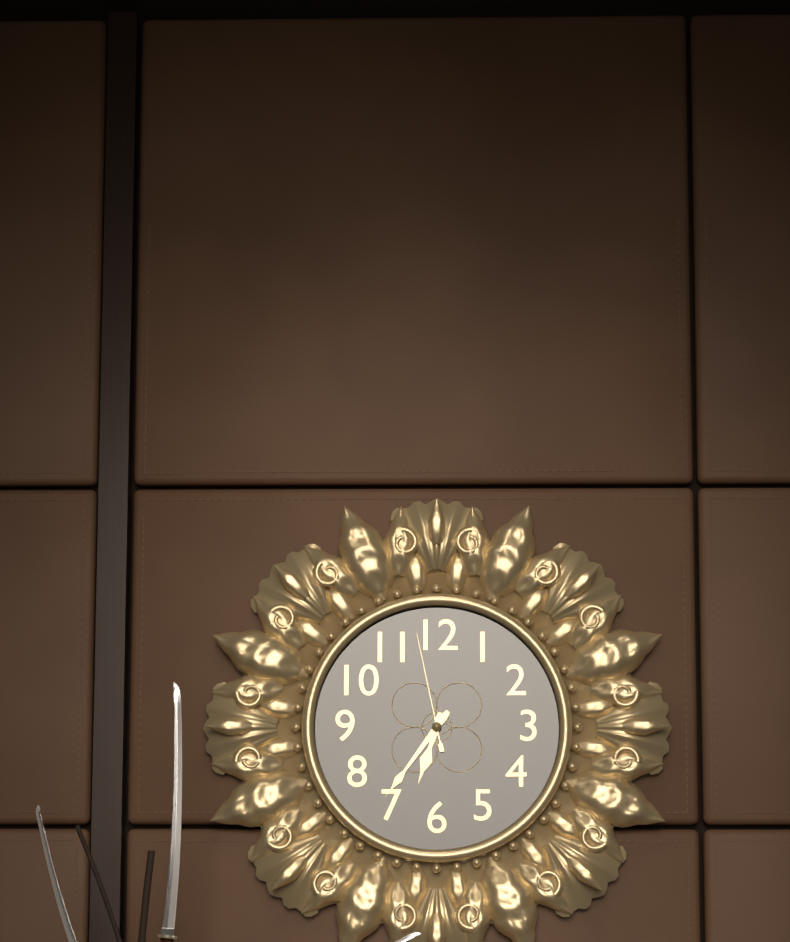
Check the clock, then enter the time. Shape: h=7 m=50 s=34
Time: h=6 m=36 s=58
